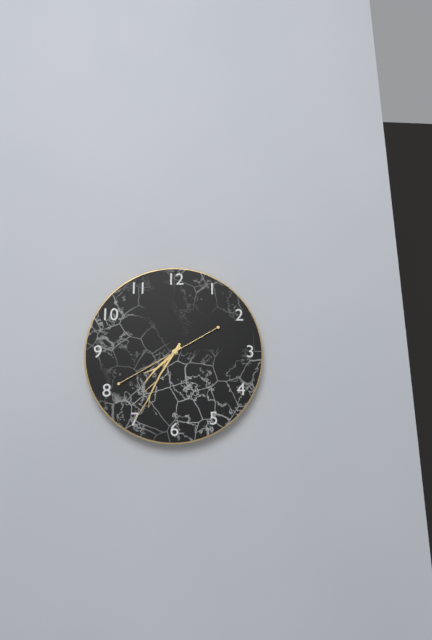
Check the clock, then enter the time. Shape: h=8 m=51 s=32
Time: h=7 m=35 s=40
